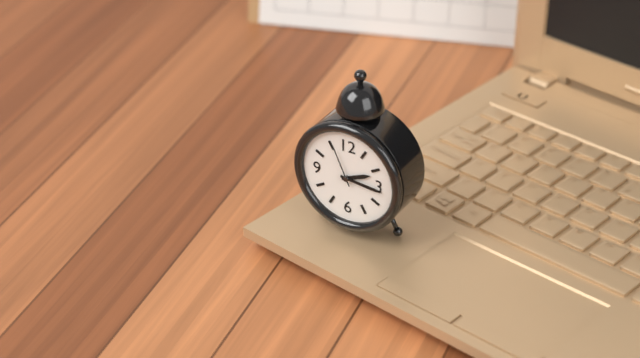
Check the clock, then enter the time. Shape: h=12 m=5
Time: h=2 m=16
